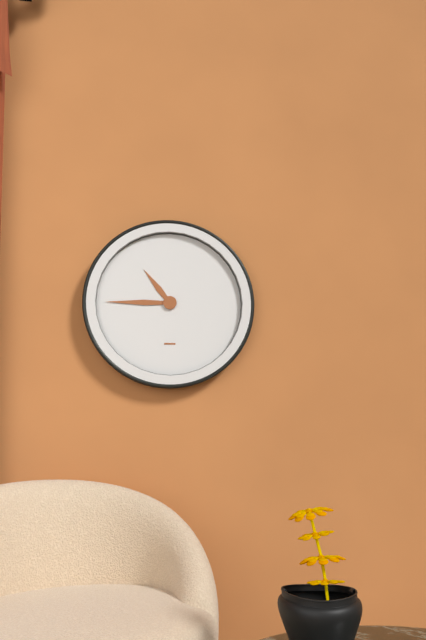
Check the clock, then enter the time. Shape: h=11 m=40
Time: h=10 m=45
